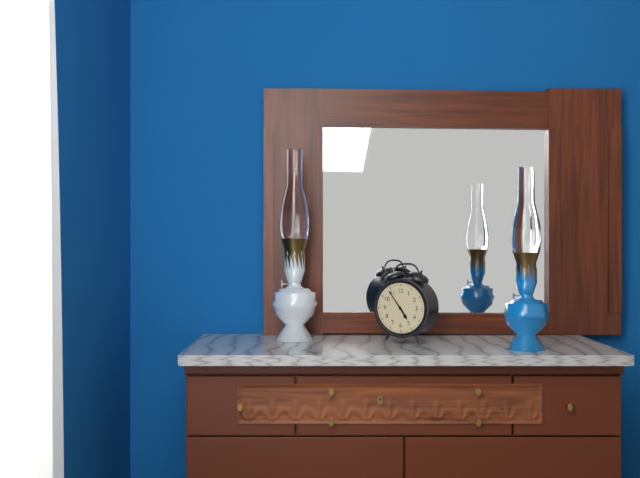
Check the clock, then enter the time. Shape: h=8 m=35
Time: h=4 m=54
